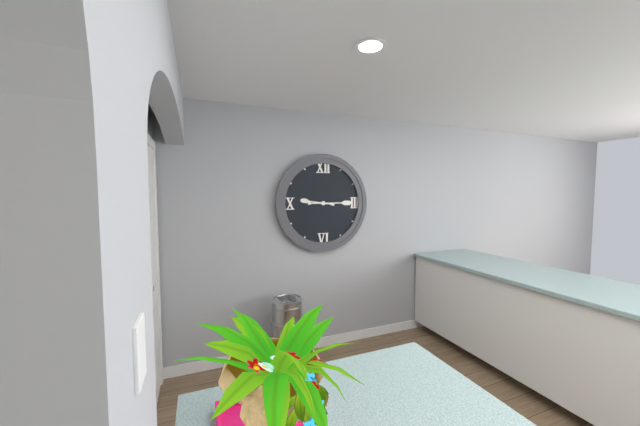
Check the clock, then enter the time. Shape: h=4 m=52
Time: h=9 m=15
